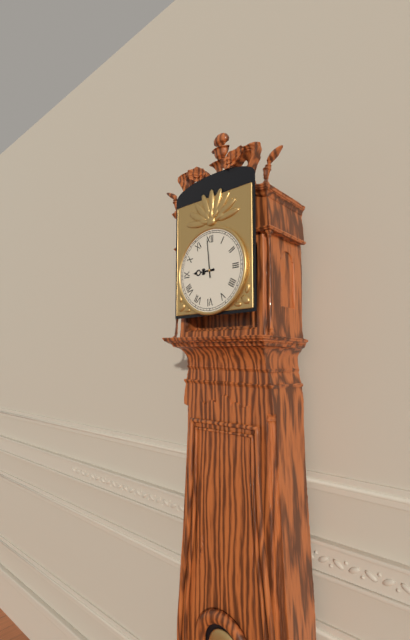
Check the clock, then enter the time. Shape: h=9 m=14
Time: h=8 m=59
